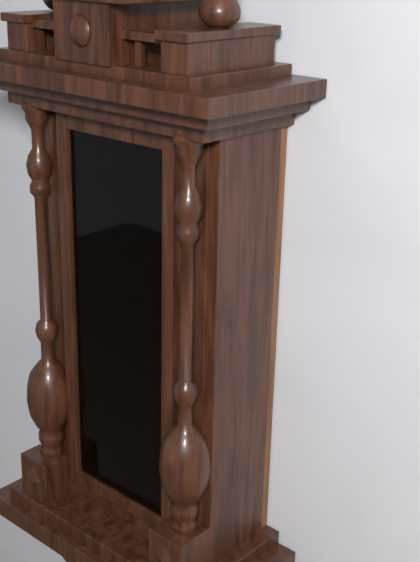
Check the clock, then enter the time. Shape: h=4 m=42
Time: h=12 m=52
